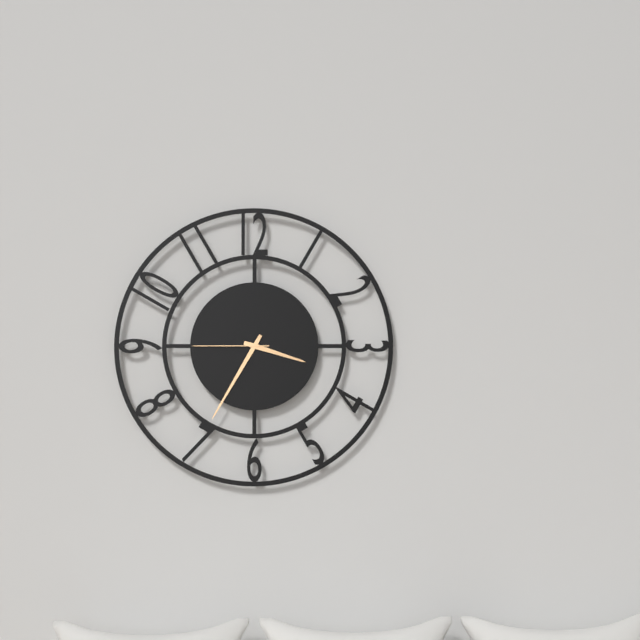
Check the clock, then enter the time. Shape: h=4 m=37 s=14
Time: h=3 m=35 s=45
